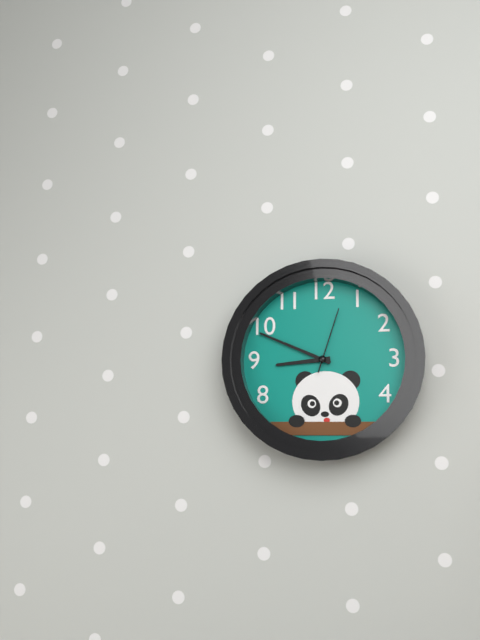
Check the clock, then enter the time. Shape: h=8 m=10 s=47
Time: h=8 m=49 s=3
